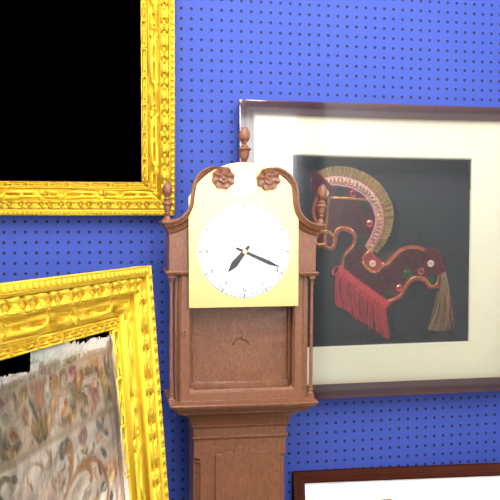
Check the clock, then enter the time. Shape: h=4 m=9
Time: h=7 m=19
